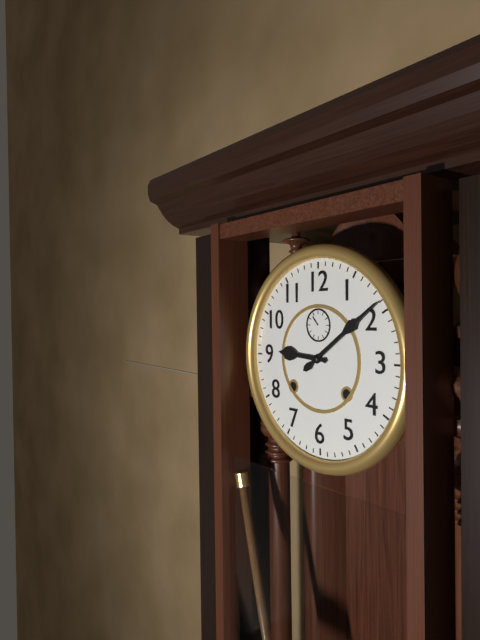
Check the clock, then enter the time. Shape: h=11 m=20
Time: h=9 m=9
